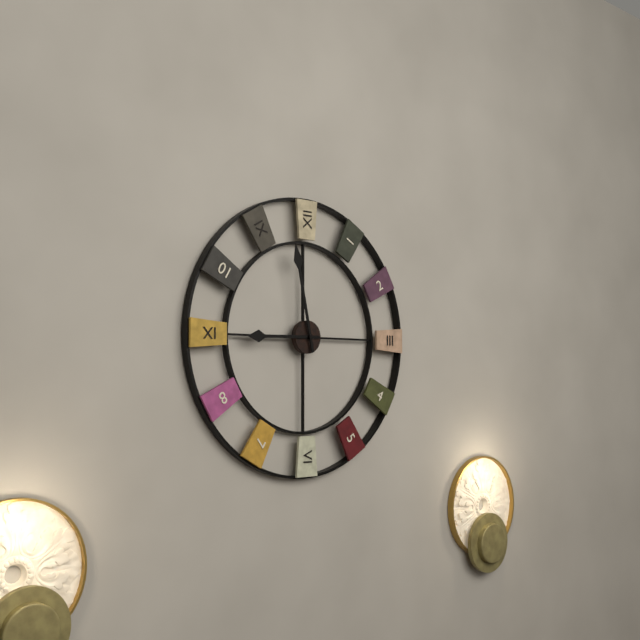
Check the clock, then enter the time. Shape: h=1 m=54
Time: h=8 m=58
